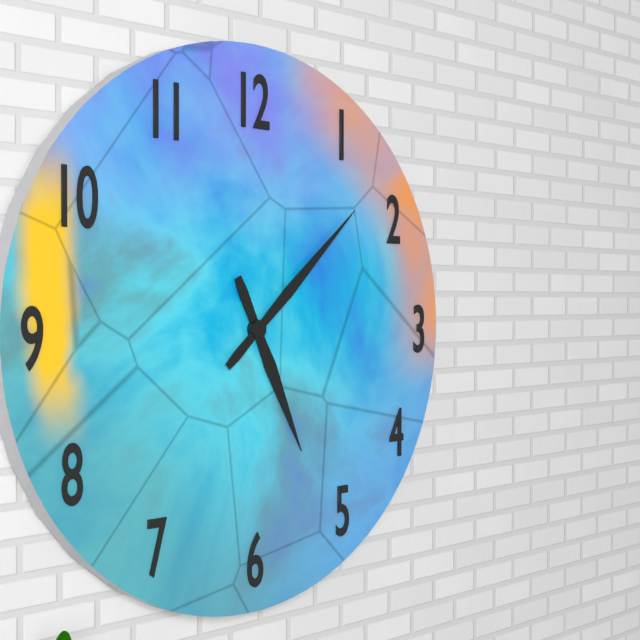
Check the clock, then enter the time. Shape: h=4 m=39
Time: h=5 m=8
